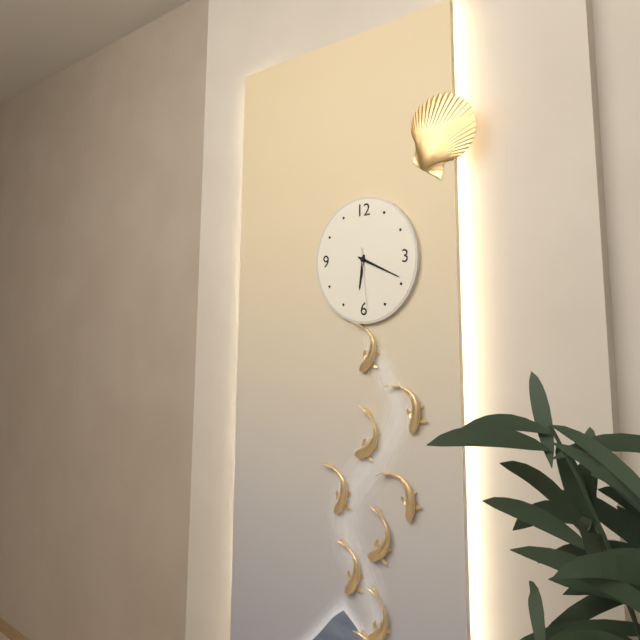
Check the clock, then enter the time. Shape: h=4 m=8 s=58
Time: h=6 m=19 s=29
